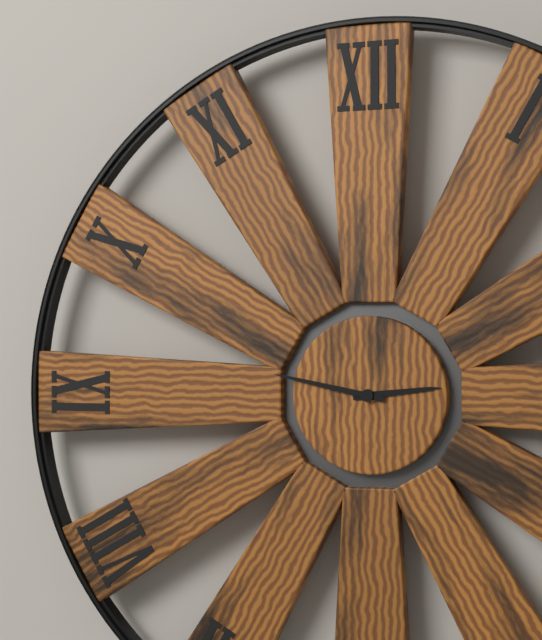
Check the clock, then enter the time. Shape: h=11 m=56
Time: h=2 m=47
